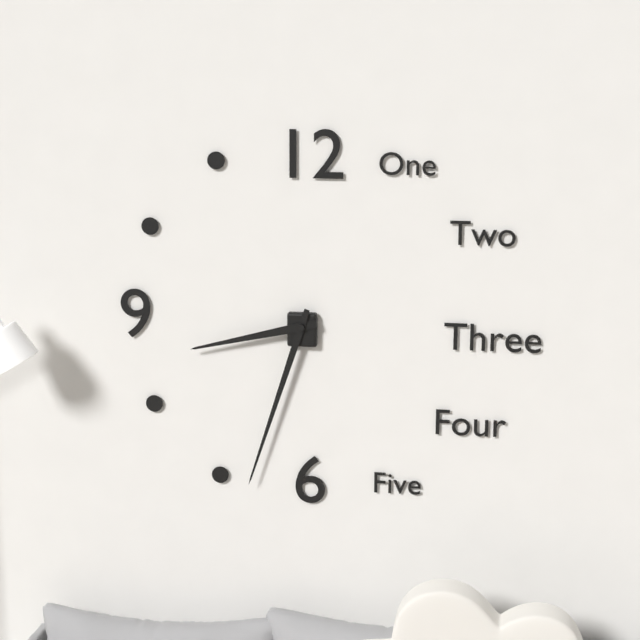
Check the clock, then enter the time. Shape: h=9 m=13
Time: h=8 m=33
